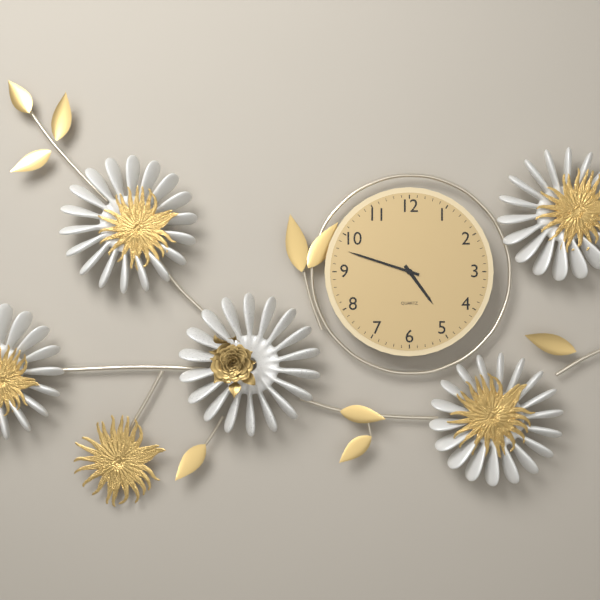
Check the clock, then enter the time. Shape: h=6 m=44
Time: h=4 m=48
